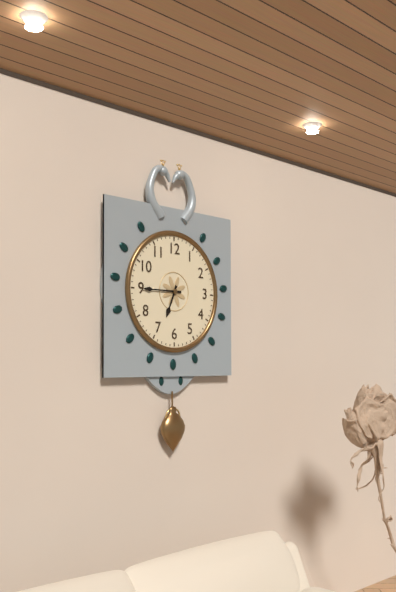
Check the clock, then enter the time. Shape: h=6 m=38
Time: h=6 m=45
